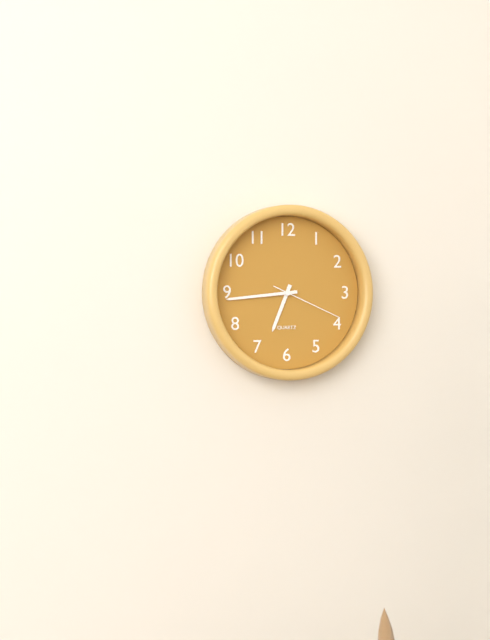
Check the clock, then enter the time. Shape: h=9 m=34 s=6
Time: h=6 m=44 s=19
